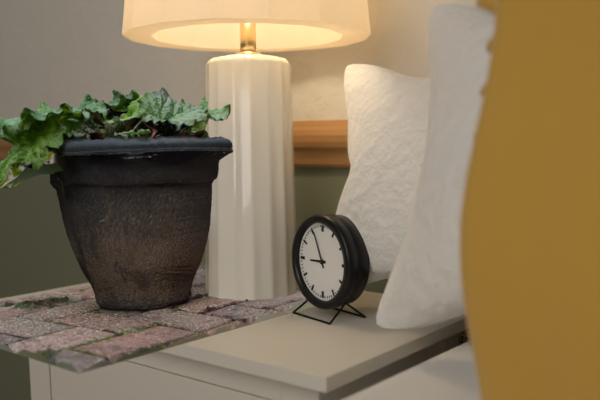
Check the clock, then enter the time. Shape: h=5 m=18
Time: h=8 m=56
